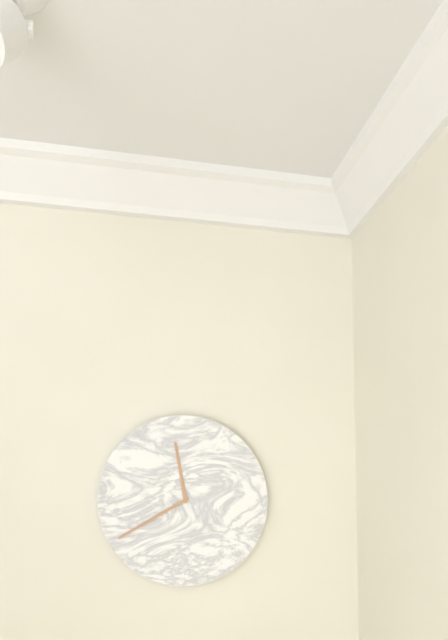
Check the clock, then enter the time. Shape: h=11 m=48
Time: h=11 m=40
